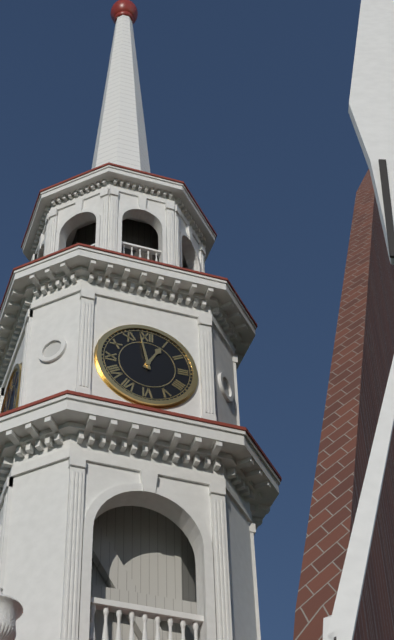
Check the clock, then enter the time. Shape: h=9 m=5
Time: h=12 m=58
